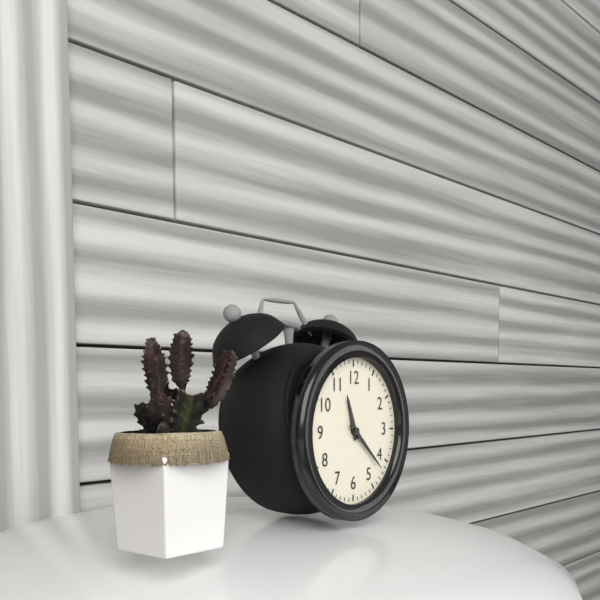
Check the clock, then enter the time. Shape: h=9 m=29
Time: h=11 m=22
